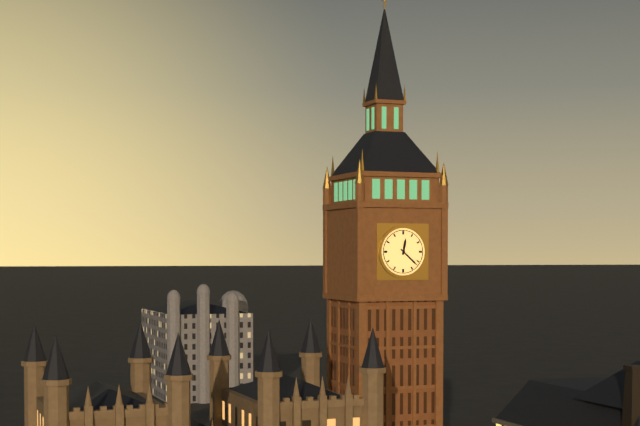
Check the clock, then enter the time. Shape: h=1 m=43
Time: h=12 m=22
